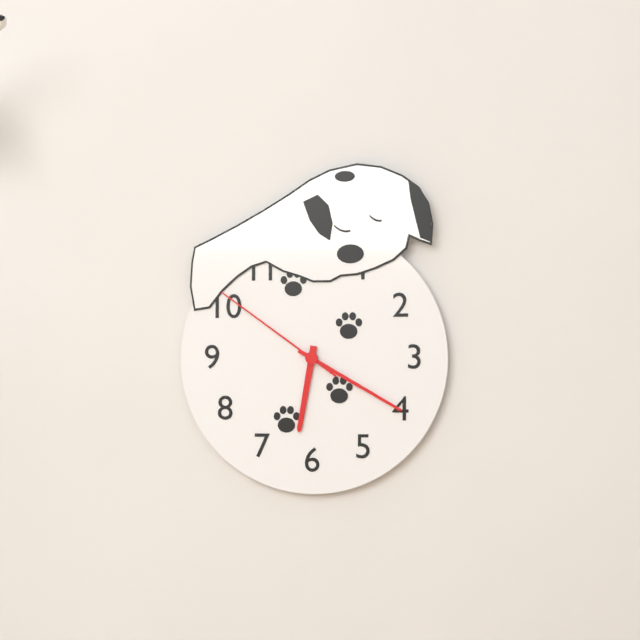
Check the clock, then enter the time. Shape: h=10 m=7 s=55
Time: h=6 m=20 s=51
